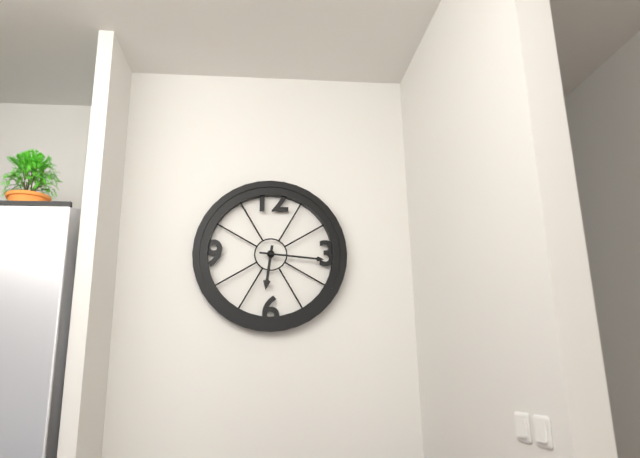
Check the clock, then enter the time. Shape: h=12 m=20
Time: h=6 m=16
